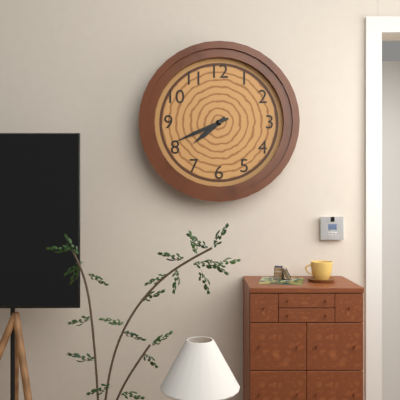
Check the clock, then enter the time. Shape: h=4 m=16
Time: h=7 m=41
